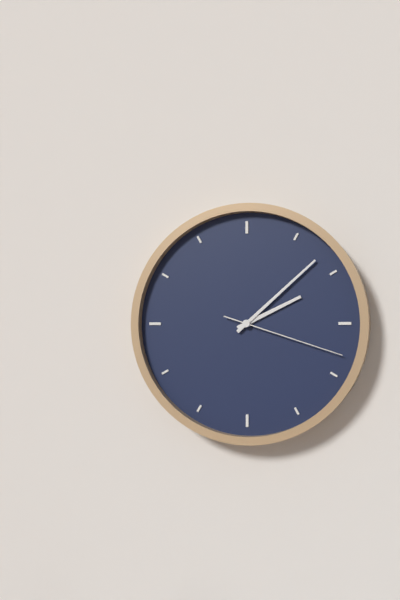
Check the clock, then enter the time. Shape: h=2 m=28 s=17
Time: h=2 m=8 s=18
